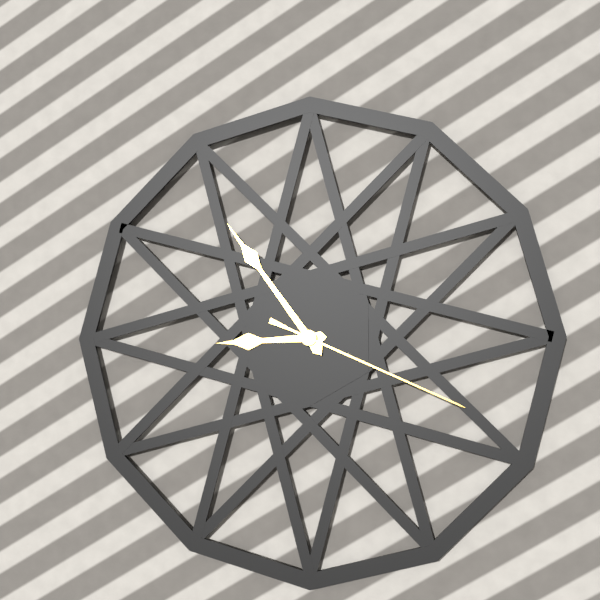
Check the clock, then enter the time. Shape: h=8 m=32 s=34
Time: h=8 m=54 s=19
